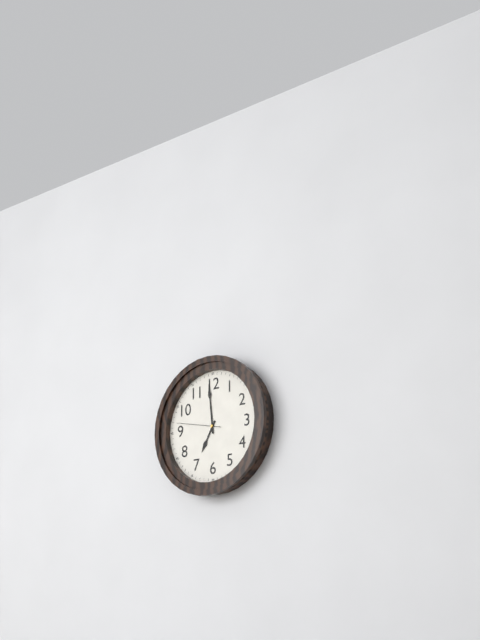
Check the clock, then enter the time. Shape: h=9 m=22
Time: h=6 m=59
